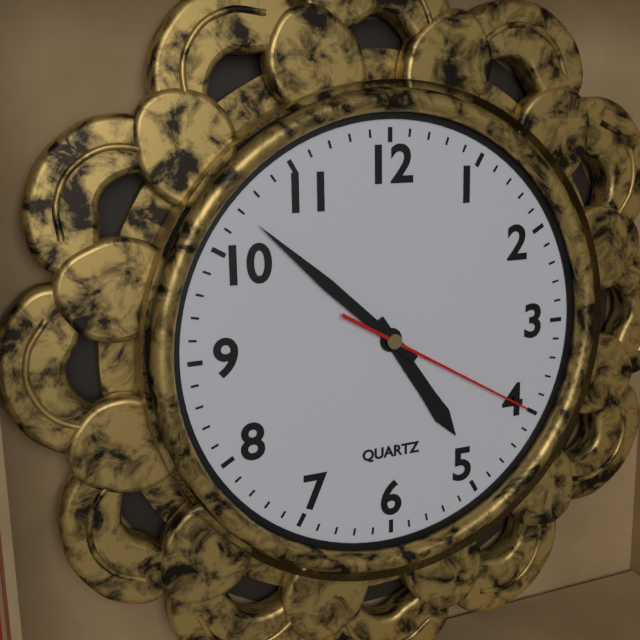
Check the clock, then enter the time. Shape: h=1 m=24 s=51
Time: h=4 m=52 s=20
